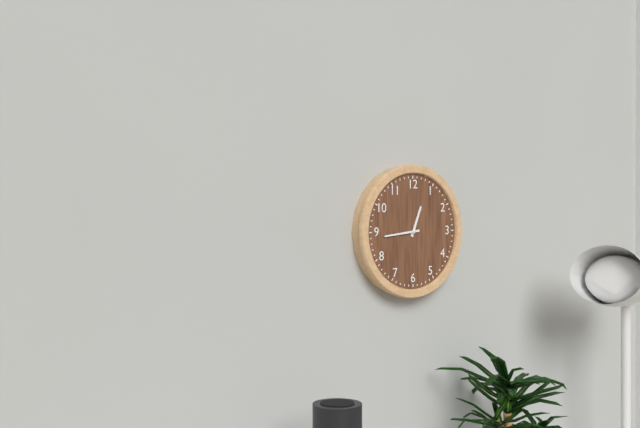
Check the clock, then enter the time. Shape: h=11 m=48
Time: h=12 m=44
